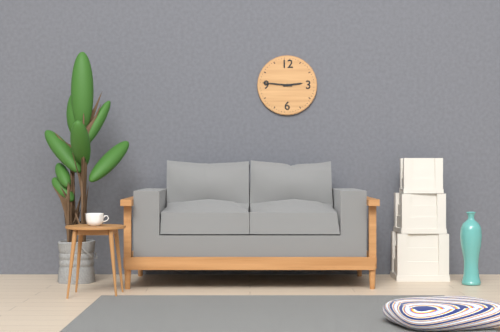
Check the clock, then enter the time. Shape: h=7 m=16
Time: h=2 m=46
